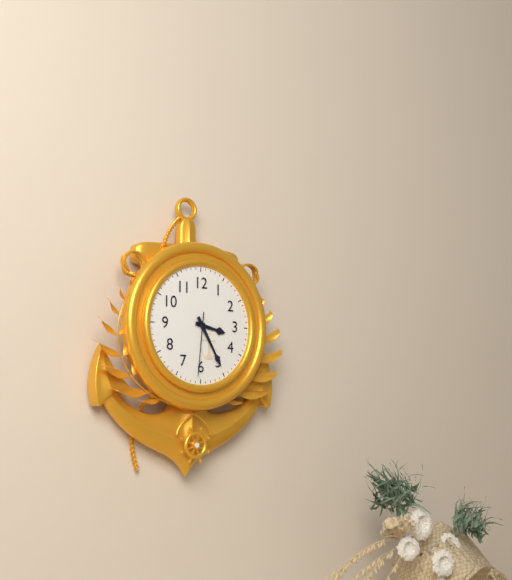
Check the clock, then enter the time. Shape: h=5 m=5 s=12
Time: h=3 m=25 s=31
